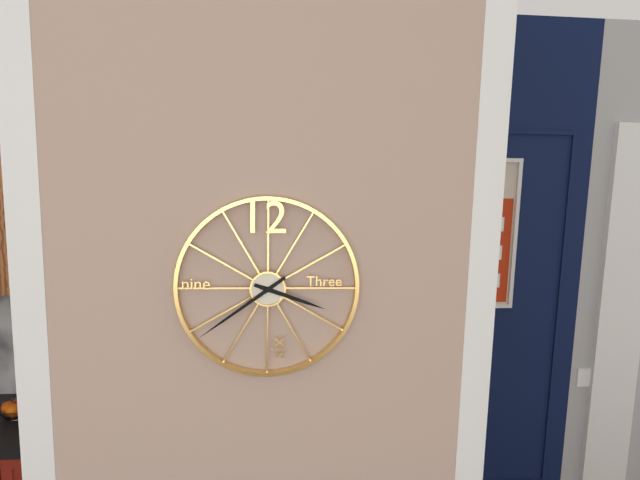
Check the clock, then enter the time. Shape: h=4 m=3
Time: h=3 m=39
